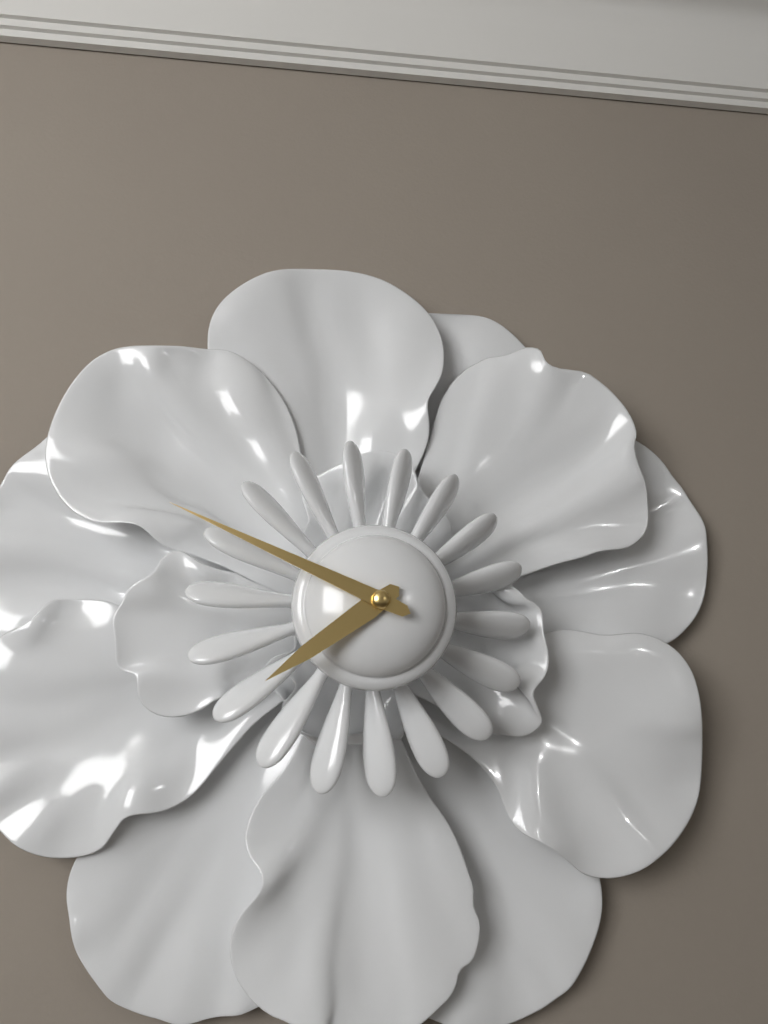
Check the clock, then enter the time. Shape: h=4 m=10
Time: h=7 m=49
